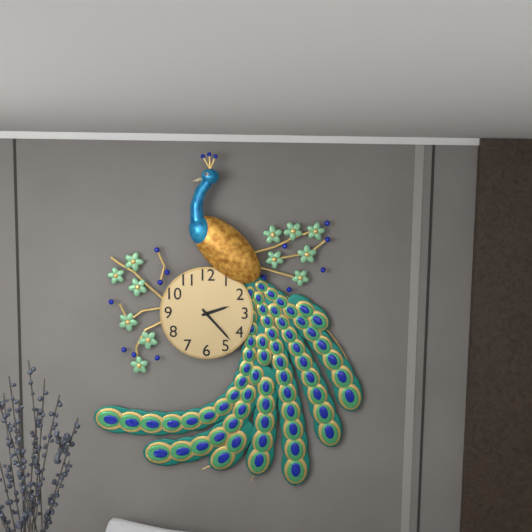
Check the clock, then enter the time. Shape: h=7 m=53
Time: h=2 m=23
